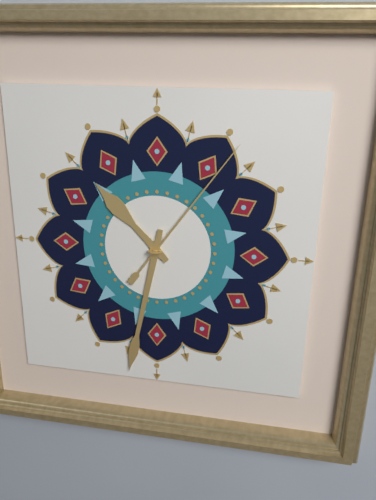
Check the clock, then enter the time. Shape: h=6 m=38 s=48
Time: h=10 m=32 s=6
